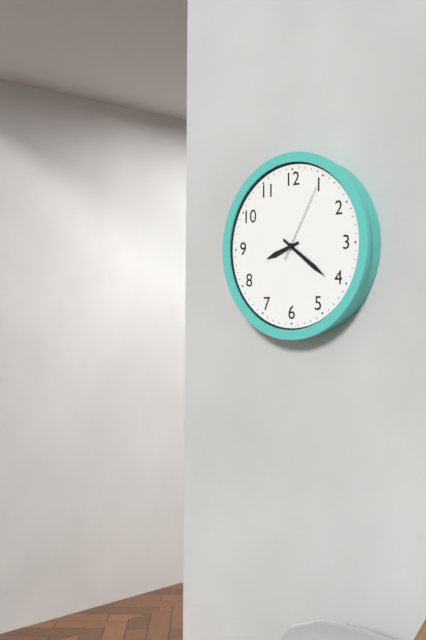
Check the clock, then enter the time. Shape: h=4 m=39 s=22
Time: h=8 m=21 s=5
